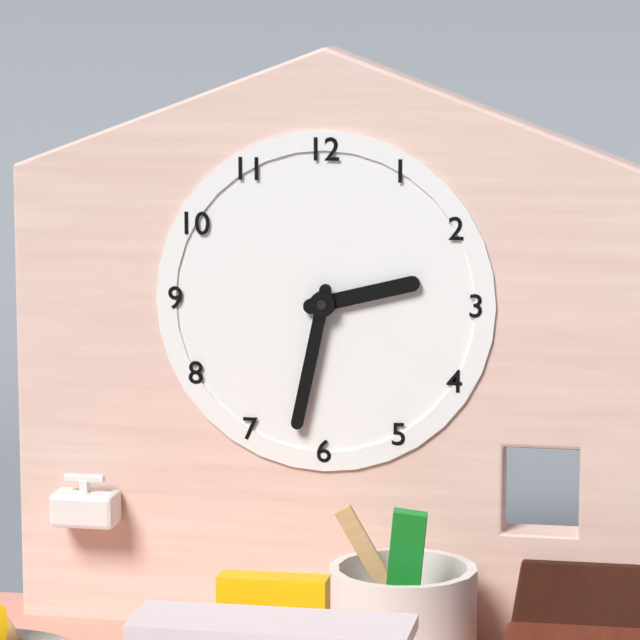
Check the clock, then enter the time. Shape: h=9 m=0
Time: h=2 m=32
